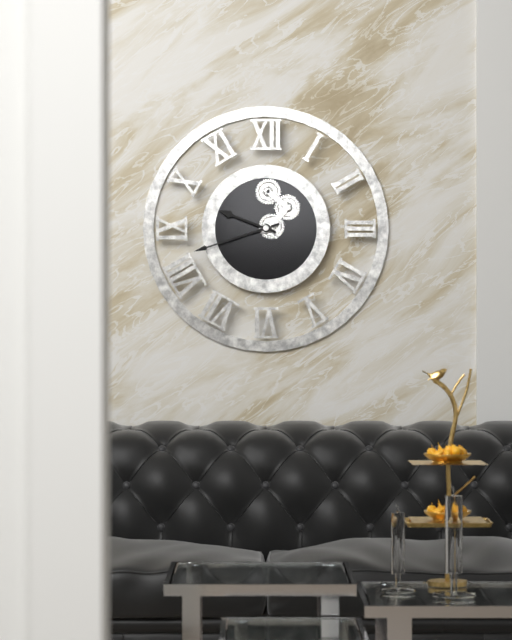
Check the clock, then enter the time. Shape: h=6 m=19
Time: h=9 m=42
